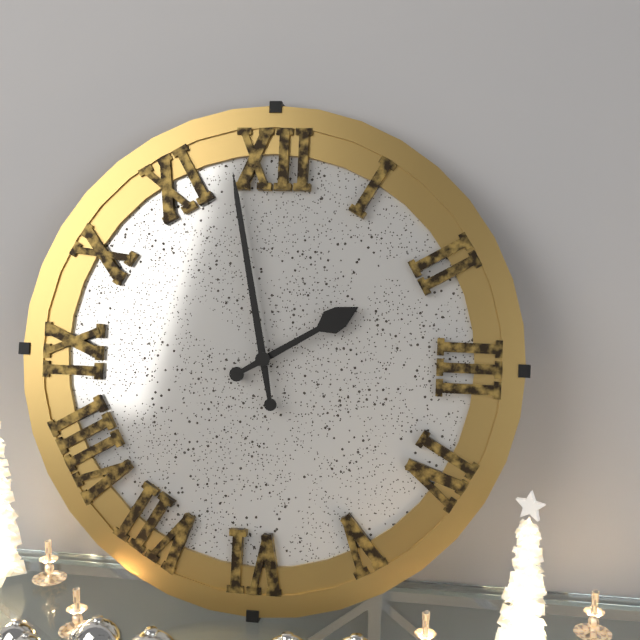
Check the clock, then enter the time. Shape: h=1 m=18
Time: h=1 m=58
